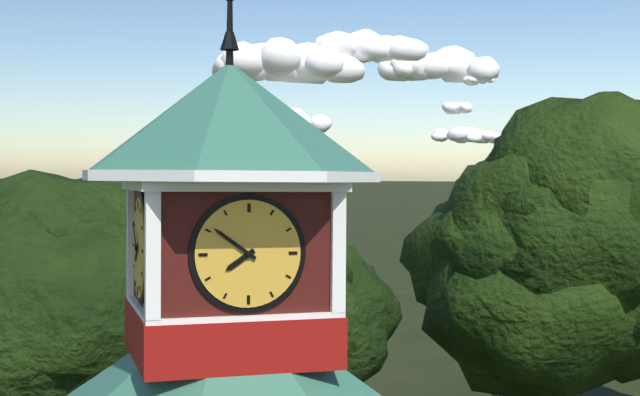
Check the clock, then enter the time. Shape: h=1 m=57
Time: h=7 m=51
